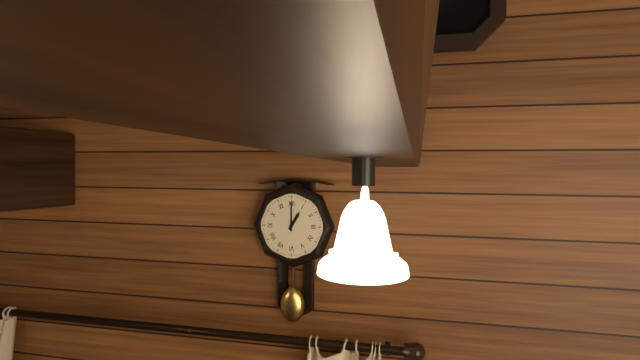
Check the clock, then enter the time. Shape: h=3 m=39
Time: h=1 m=0
